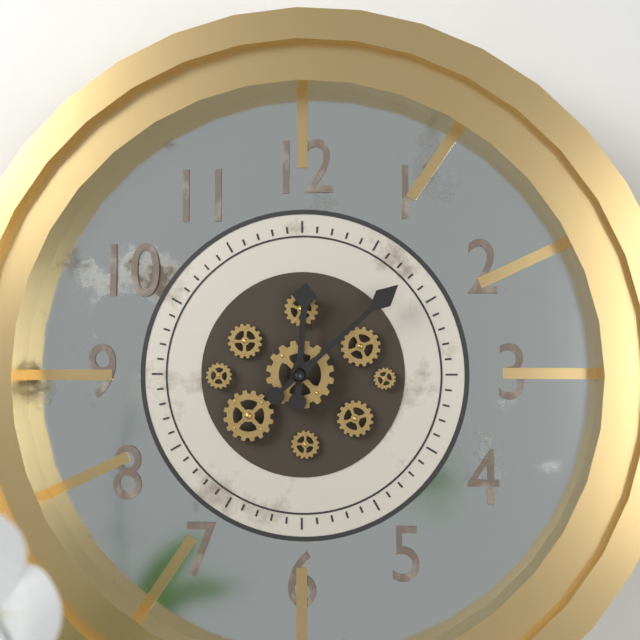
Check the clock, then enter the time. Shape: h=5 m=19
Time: h=12 m=8
